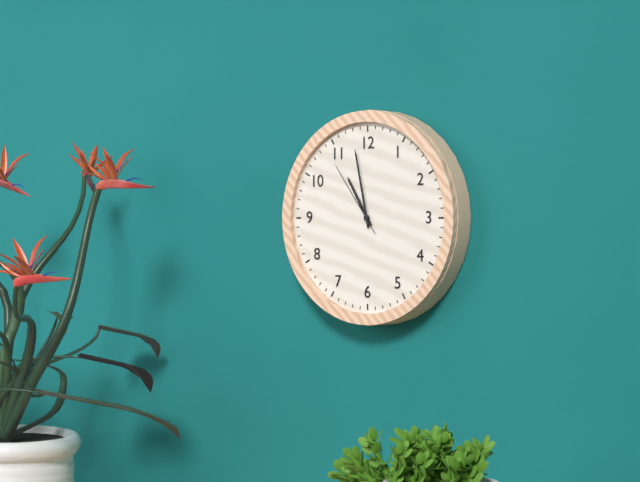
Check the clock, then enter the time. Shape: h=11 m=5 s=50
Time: h=10 m=58 s=54
